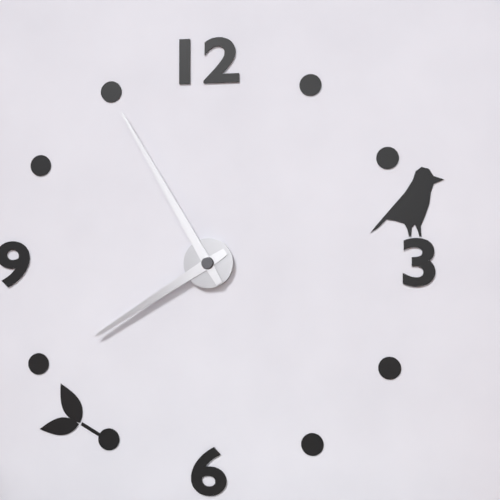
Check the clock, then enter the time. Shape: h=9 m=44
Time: h=7 m=55
